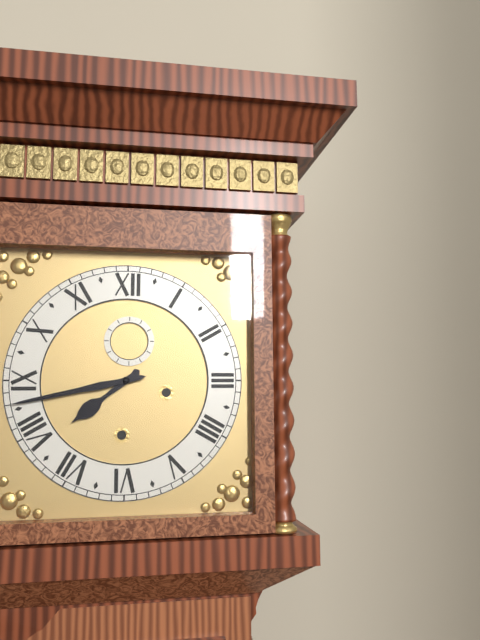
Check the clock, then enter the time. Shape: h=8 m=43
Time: h=7 m=43
